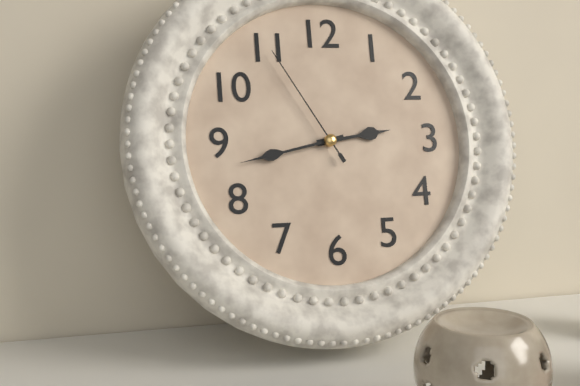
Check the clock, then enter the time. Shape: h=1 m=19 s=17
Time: h=2 m=43 s=55
